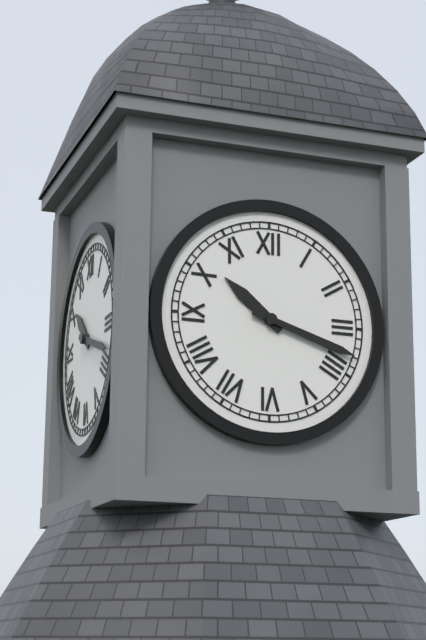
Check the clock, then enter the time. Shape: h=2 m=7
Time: h=10 m=18
